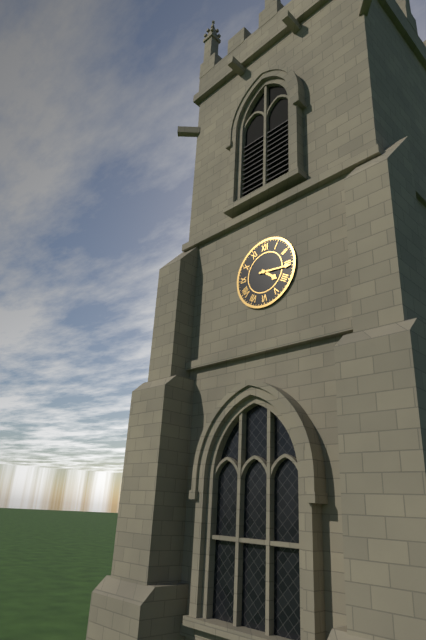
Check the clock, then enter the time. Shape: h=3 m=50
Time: h=4 m=16
